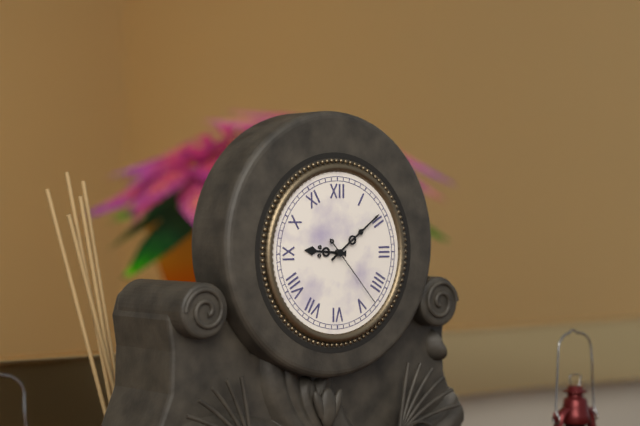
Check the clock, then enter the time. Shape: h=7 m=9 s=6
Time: h=9 m=9 s=23
